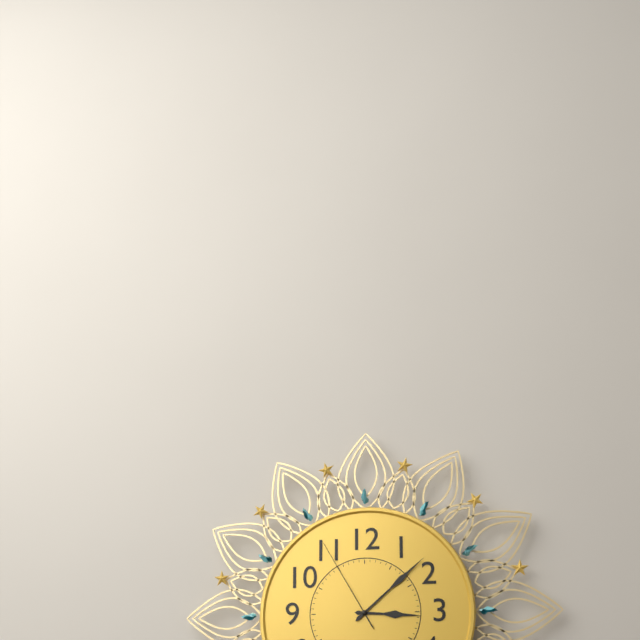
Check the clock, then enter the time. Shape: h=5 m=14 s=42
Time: h=3 m=8 s=55
